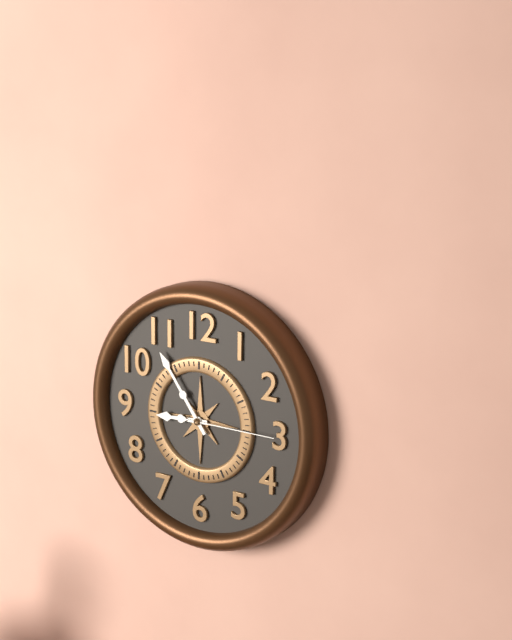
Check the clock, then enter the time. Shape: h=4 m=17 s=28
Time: h=8 m=54 s=15
